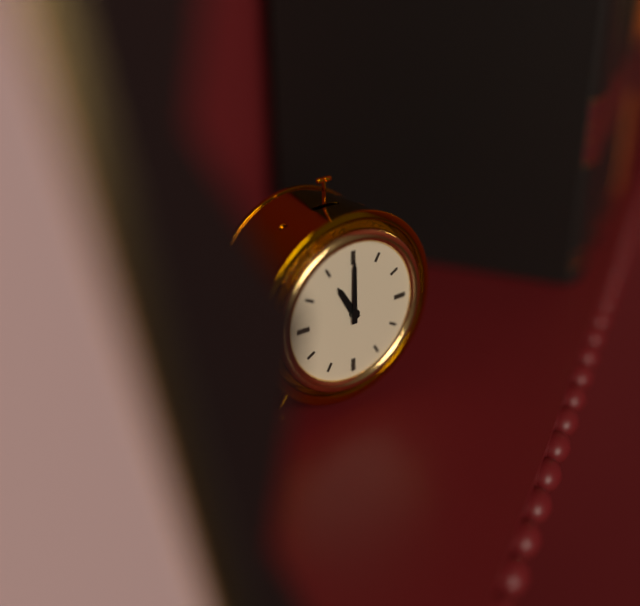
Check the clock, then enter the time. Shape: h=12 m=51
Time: h=11 m=0
